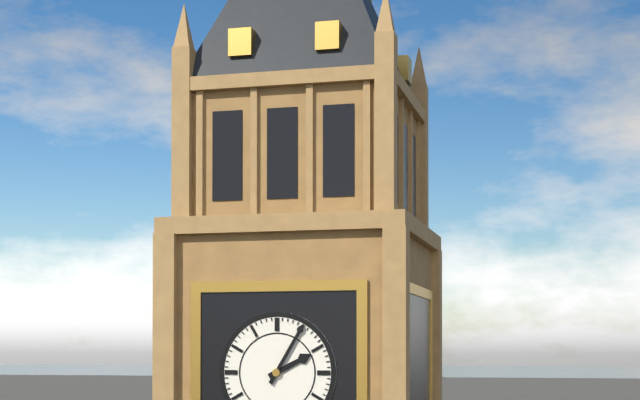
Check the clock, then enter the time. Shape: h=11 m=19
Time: h=2 m=5
